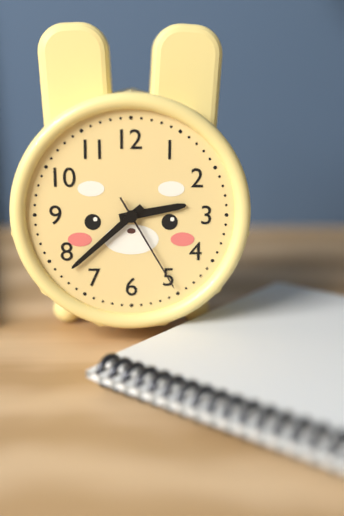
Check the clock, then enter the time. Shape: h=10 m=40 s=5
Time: h=2 m=38 s=25
